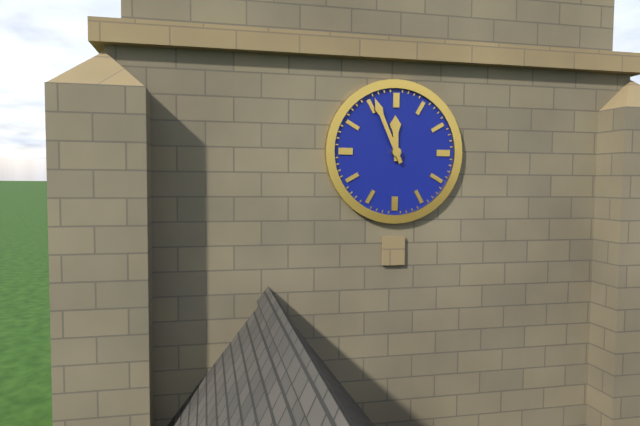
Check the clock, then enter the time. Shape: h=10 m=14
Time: h=11 m=56
